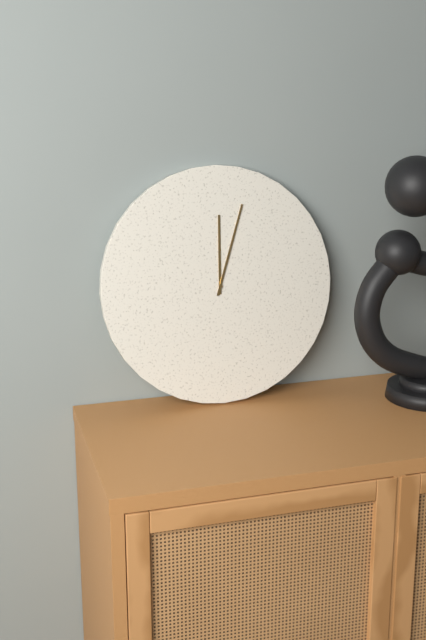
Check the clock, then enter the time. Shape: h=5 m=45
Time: h=12 m=3
